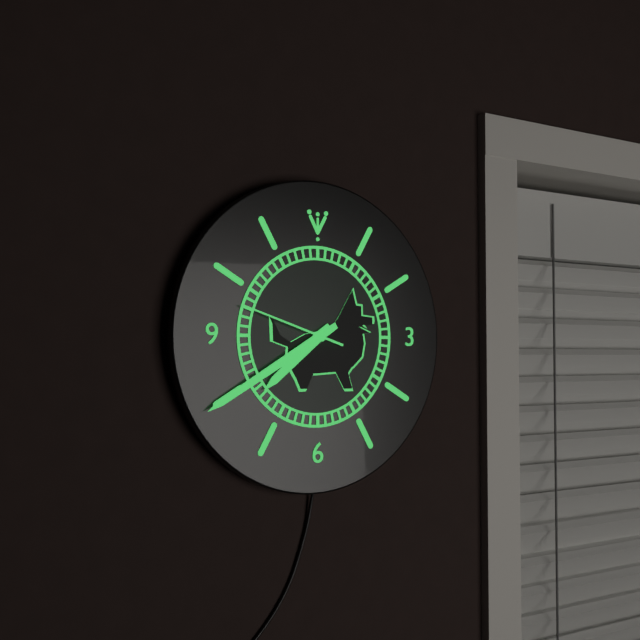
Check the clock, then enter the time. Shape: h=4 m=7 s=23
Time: h=7 m=40 s=48
